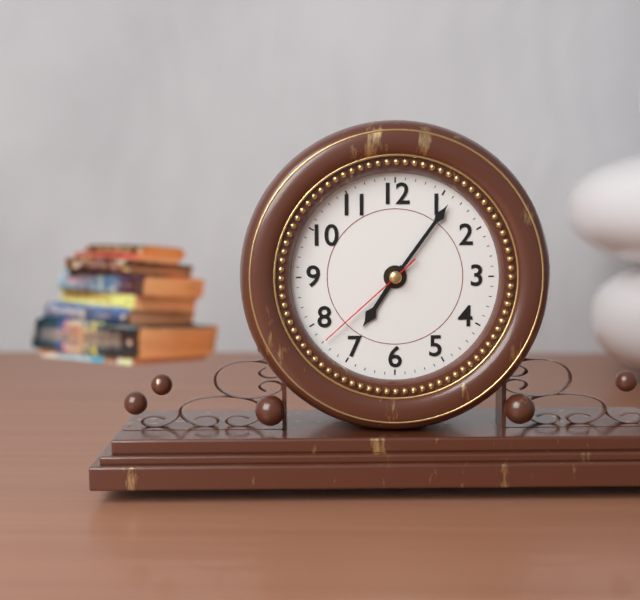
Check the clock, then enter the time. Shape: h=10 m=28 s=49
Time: h=7 m=6 s=38
